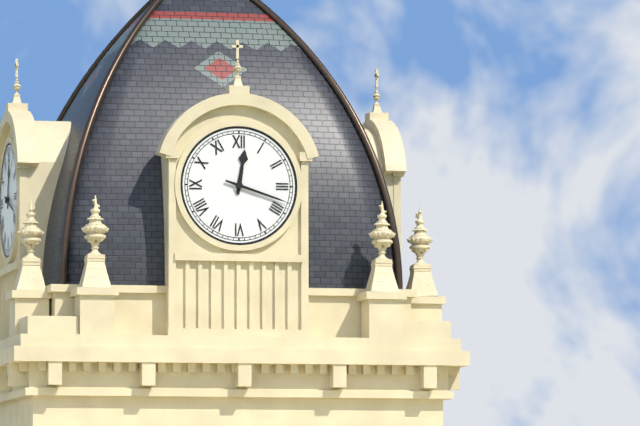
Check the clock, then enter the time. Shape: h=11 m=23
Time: h=12 m=18
